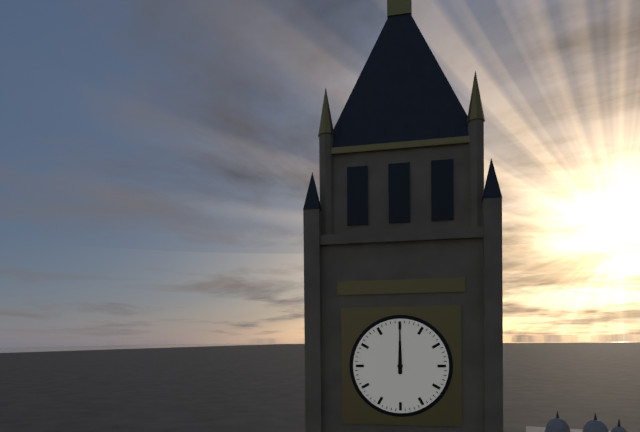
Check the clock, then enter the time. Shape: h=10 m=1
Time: h=12 m=0
